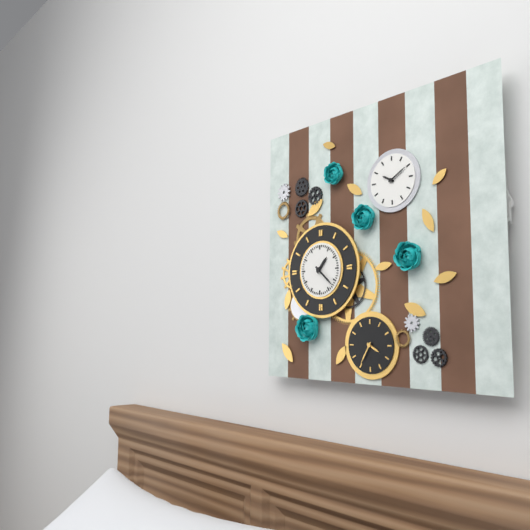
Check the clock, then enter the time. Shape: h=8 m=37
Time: h=1 m=22
